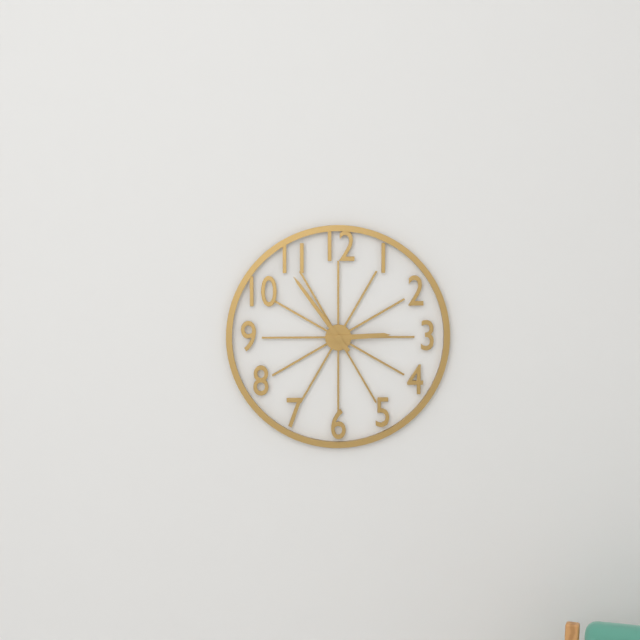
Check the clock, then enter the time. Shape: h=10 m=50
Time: h=2 m=54
